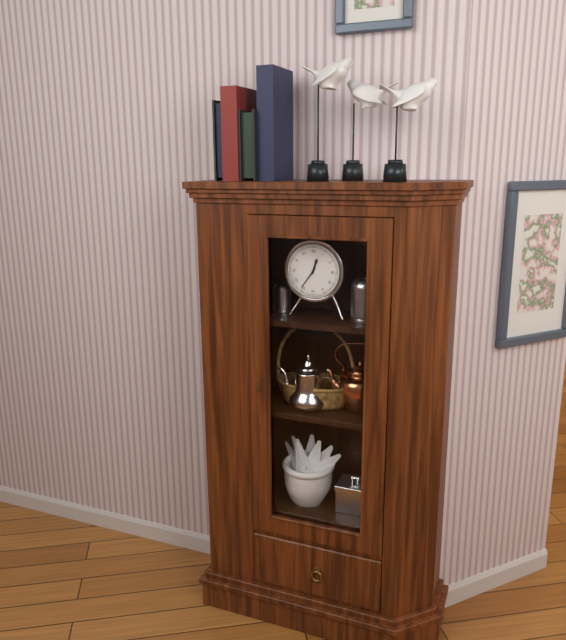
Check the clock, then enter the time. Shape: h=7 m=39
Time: h=12 m=36
